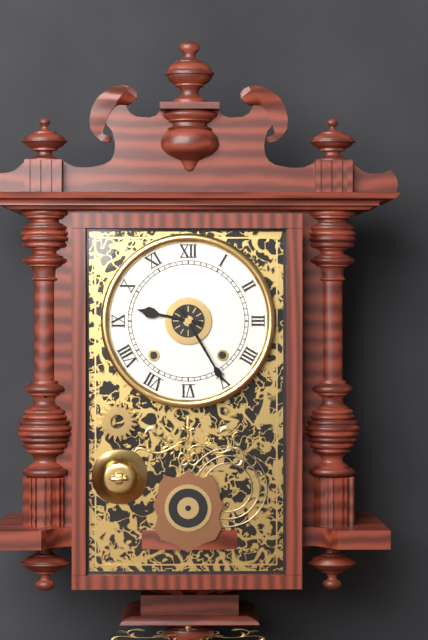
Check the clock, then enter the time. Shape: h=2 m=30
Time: h=9 m=25
